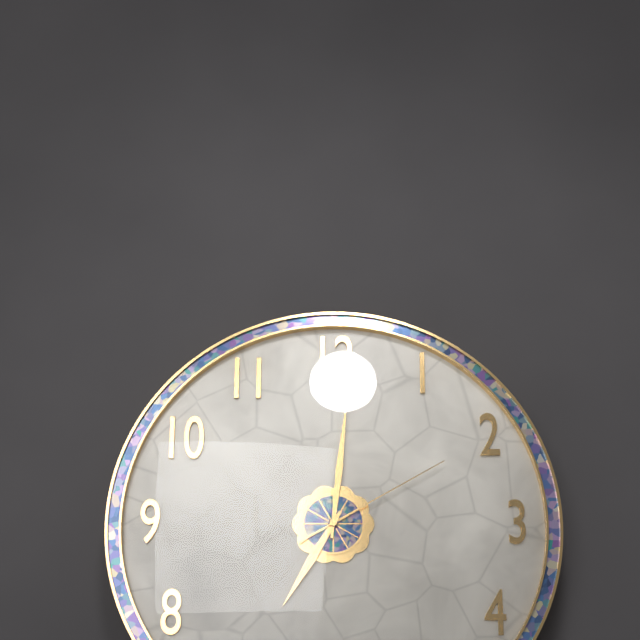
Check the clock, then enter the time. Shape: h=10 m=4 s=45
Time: h=7 m=1 s=10
